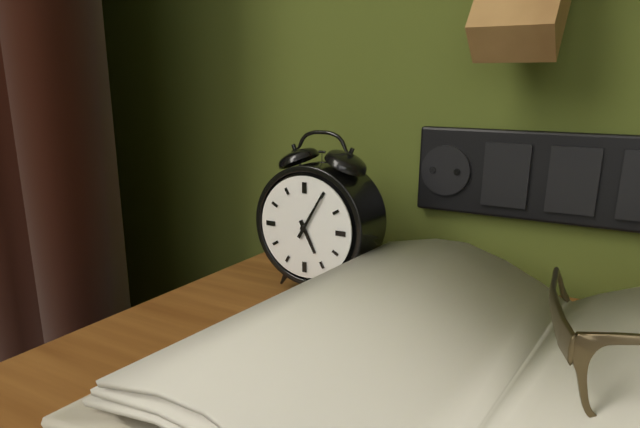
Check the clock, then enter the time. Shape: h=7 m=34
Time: h=5 m=5
